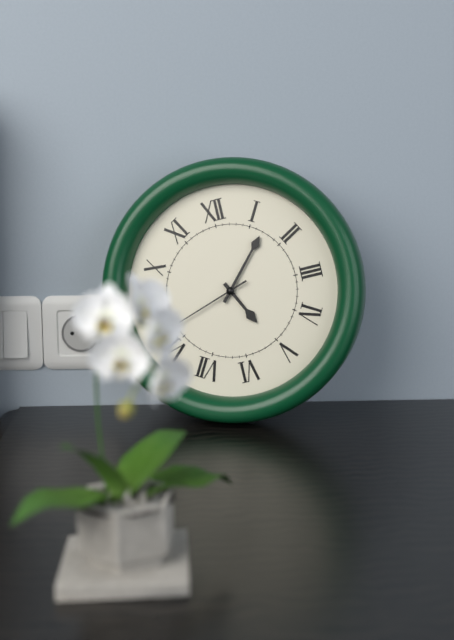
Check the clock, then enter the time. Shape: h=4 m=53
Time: h=5 m=7
